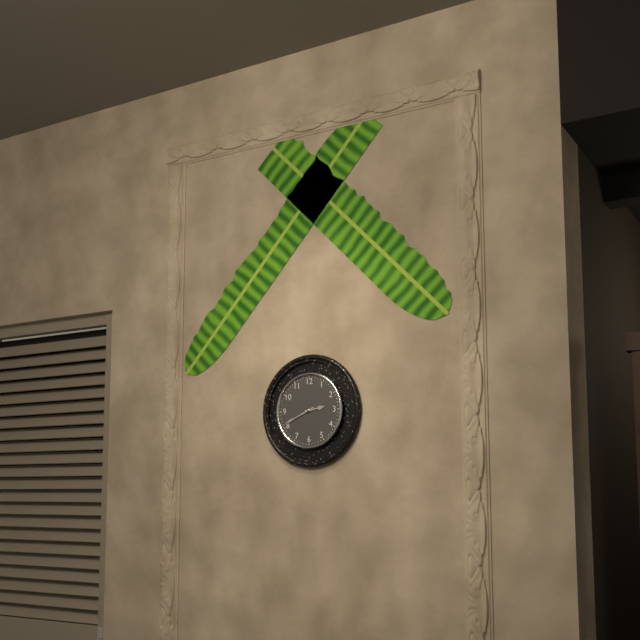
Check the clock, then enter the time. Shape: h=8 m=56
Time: h=2 m=41
